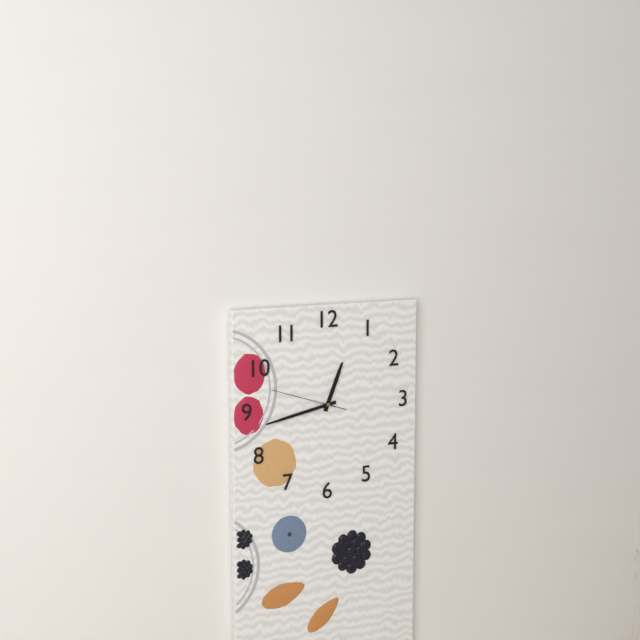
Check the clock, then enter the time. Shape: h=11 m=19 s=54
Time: h=12 m=43 s=48
